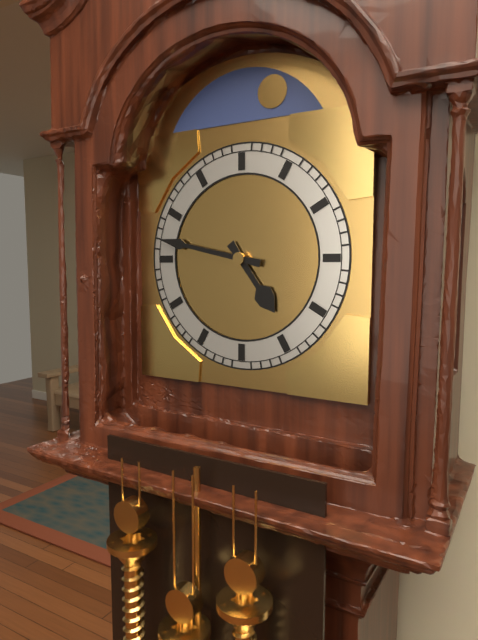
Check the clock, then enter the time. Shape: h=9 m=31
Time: h=4 m=47
